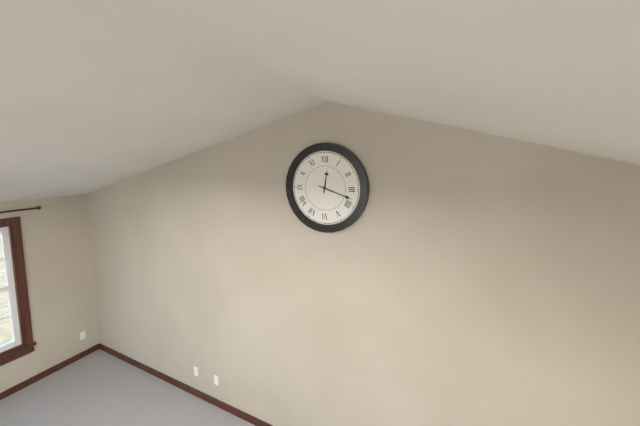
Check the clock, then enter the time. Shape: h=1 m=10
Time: h=12 m=18
